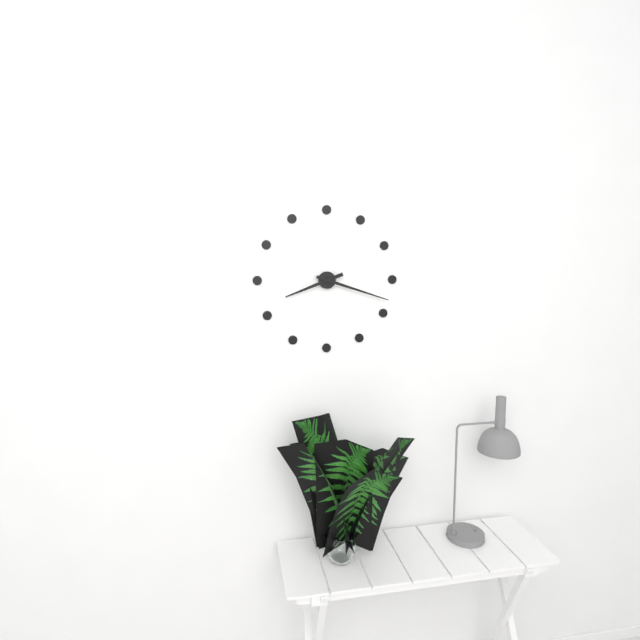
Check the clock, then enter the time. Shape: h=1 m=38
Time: h=8 m=18
